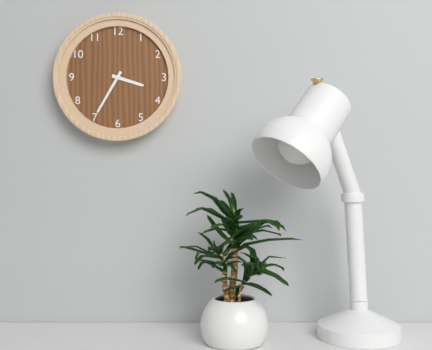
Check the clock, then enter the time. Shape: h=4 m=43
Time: h=3 m=35
